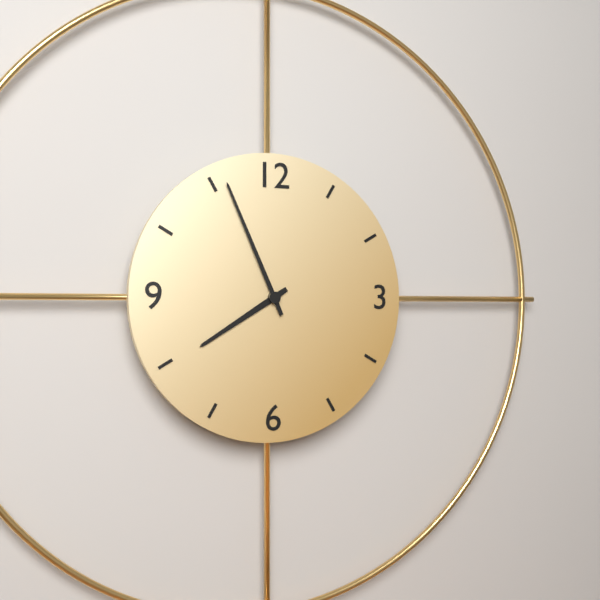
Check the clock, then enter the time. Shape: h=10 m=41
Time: h=7 m=56
